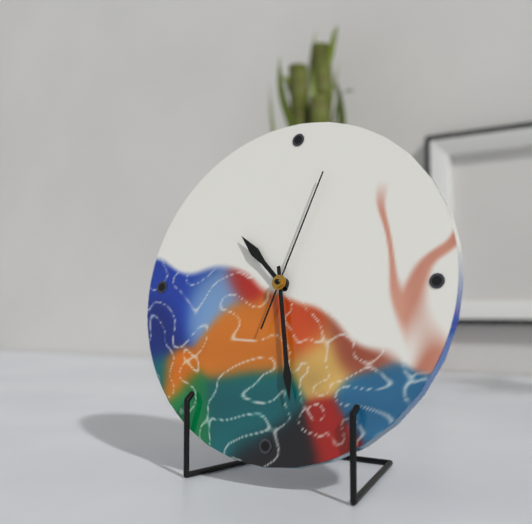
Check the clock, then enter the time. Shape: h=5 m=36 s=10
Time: h=10 m=28 s=3
